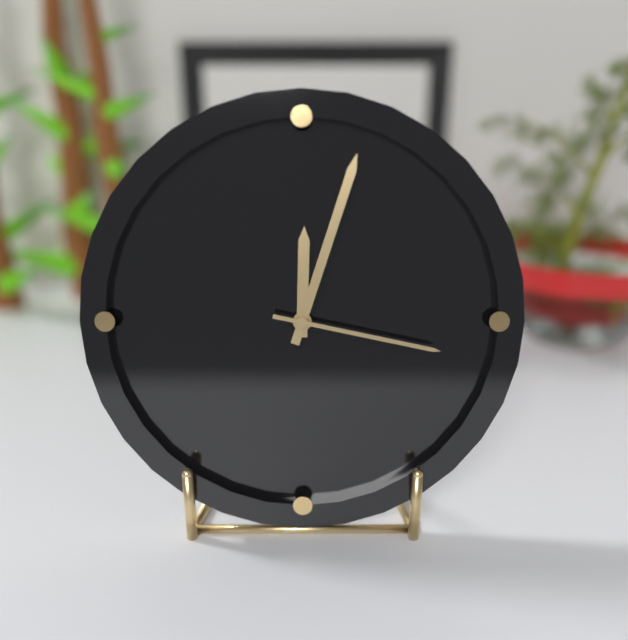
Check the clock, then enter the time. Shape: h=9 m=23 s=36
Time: h=12 m=3 s=17
